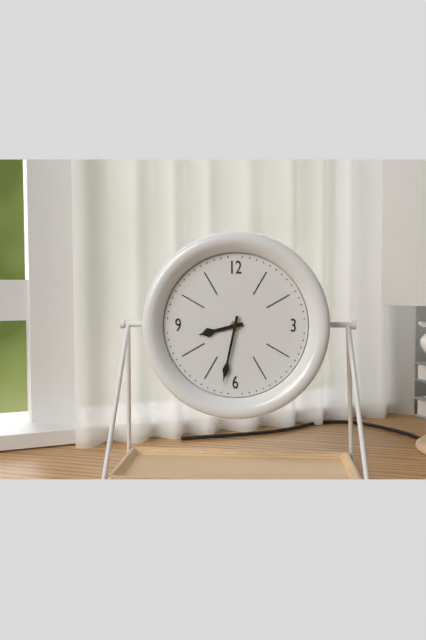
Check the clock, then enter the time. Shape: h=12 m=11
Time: h=8 m=32
